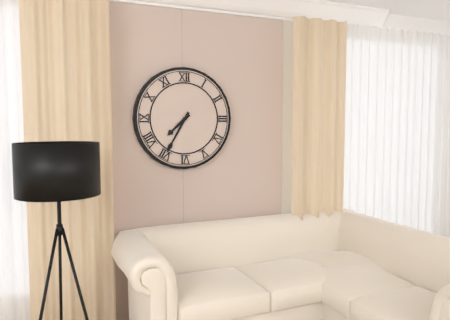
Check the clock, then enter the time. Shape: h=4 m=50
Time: h=7 m=35
